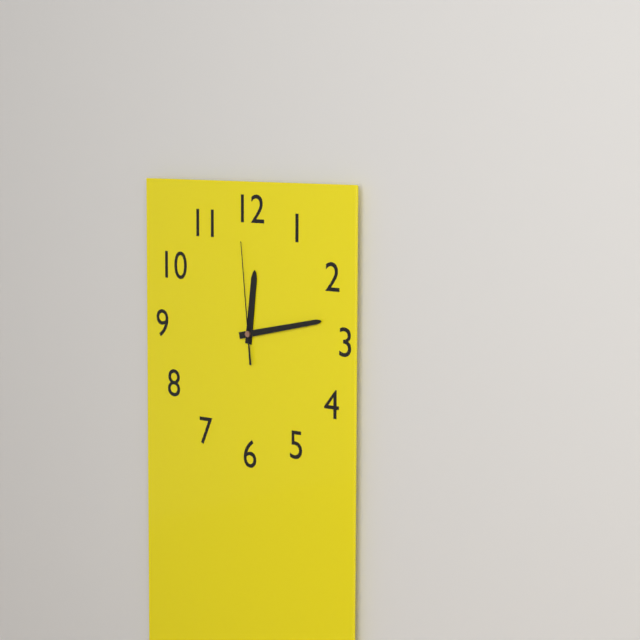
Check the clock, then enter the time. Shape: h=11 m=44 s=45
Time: h=12 m=13 s=59
